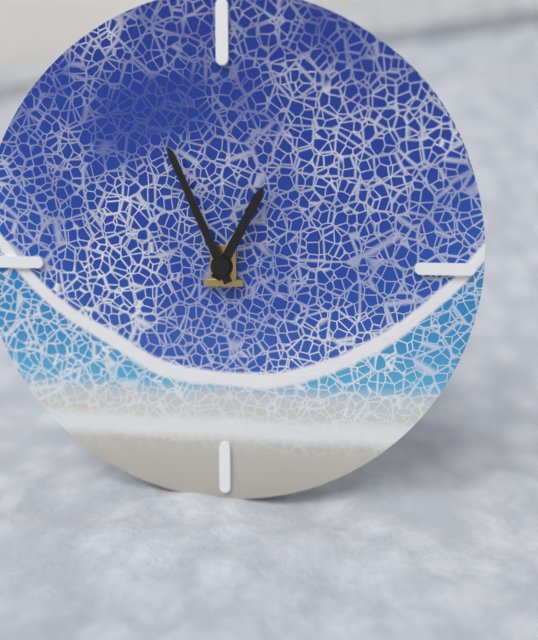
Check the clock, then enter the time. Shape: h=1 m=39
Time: h=12 m=56
